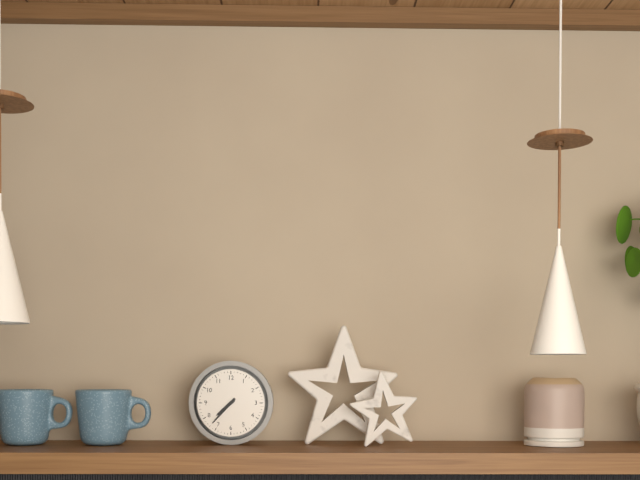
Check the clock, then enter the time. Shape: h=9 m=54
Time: h=7 m=37
